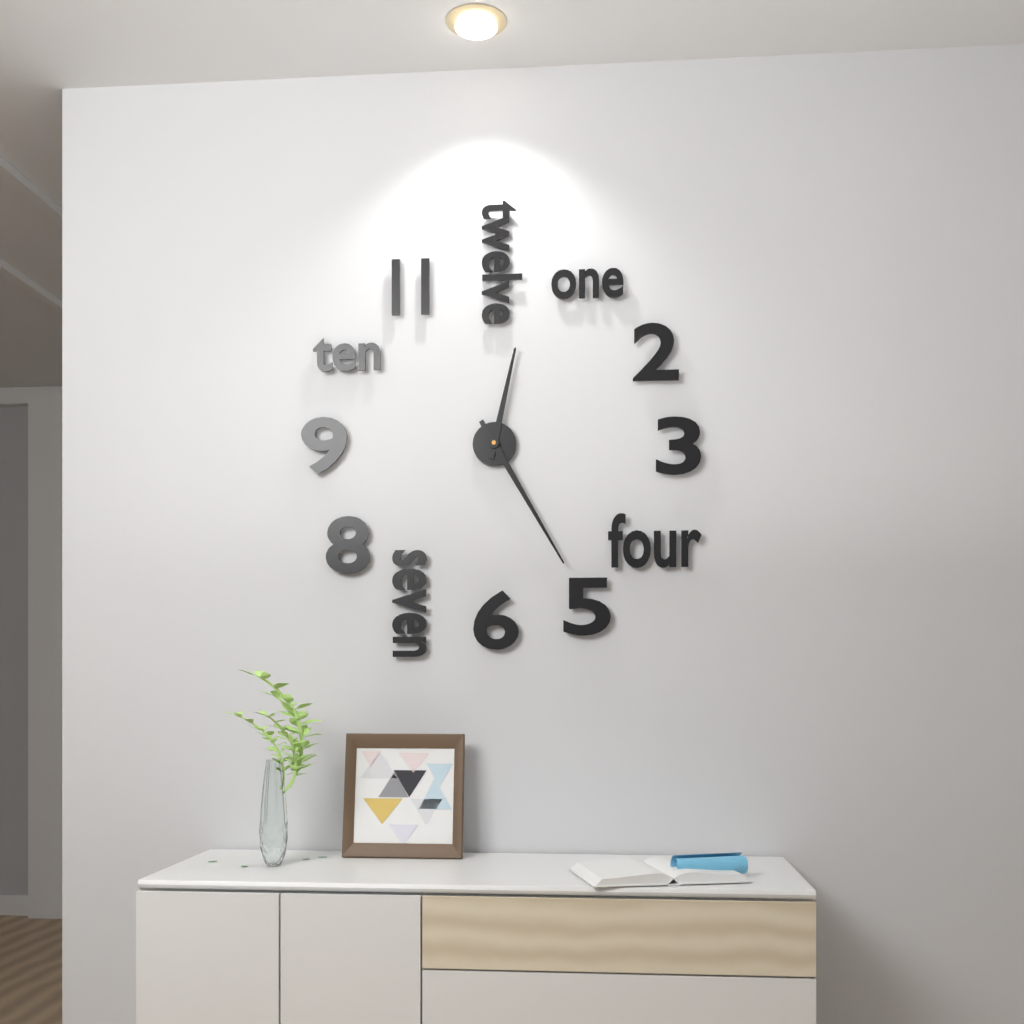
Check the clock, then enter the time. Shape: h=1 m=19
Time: h=12 m=25
